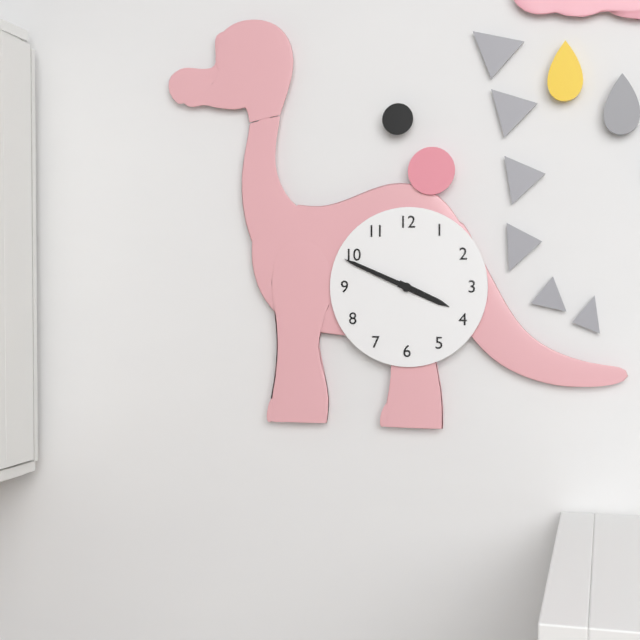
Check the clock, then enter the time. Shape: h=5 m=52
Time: h=3 m=49
